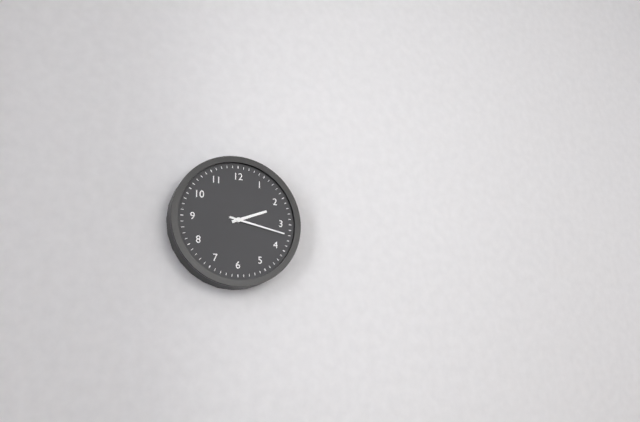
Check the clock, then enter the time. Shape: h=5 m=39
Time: h=2 m=17
